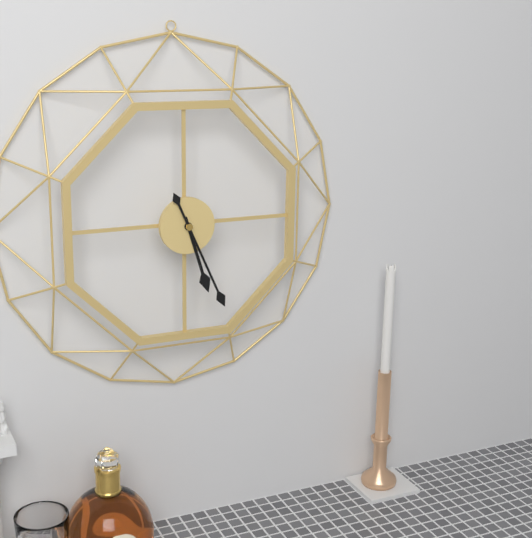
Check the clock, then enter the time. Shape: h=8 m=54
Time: h=5 m=26
